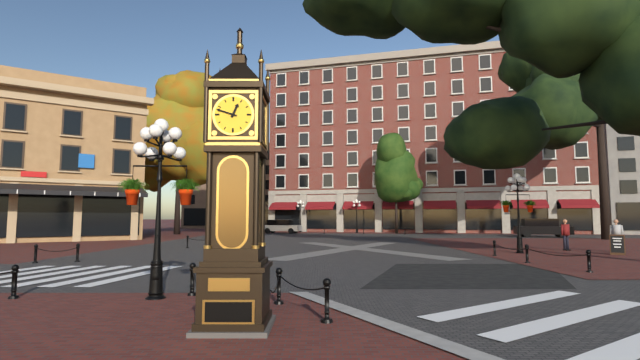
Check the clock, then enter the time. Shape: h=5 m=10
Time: h=12 m=48
